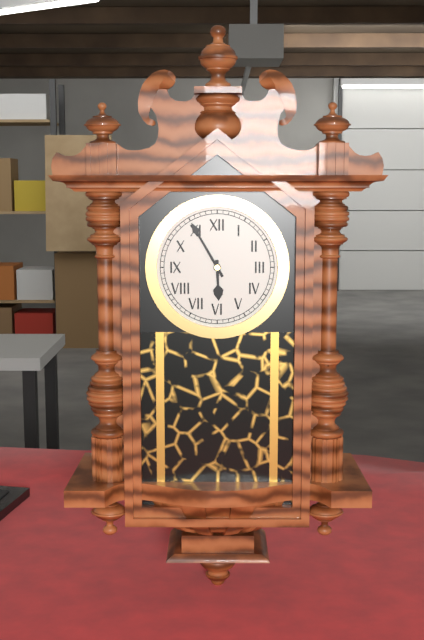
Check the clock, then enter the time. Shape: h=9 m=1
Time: h=5 m=55
